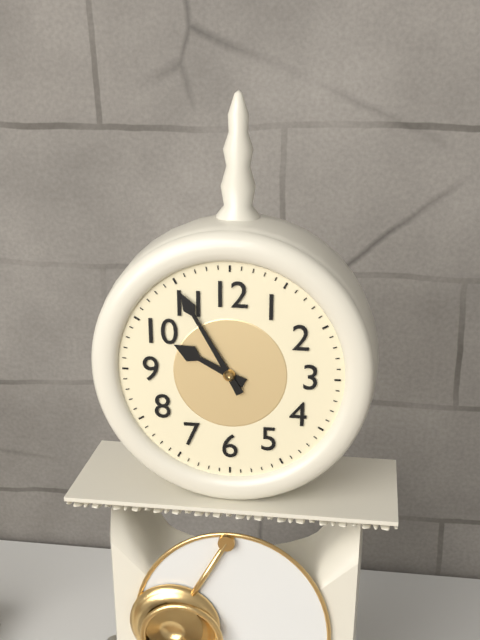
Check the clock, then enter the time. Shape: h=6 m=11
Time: h=9 m=55
